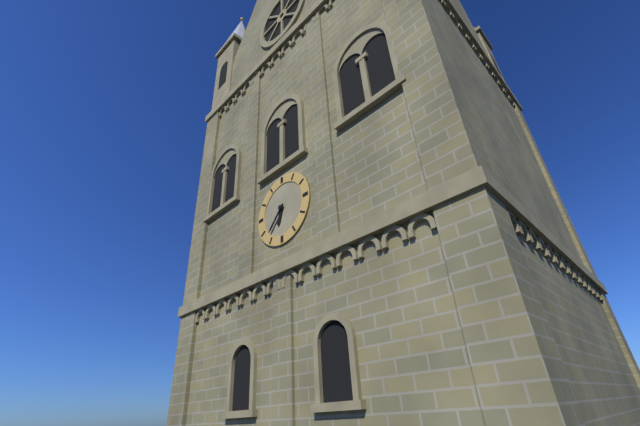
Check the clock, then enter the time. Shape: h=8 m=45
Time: h=6 m=37
